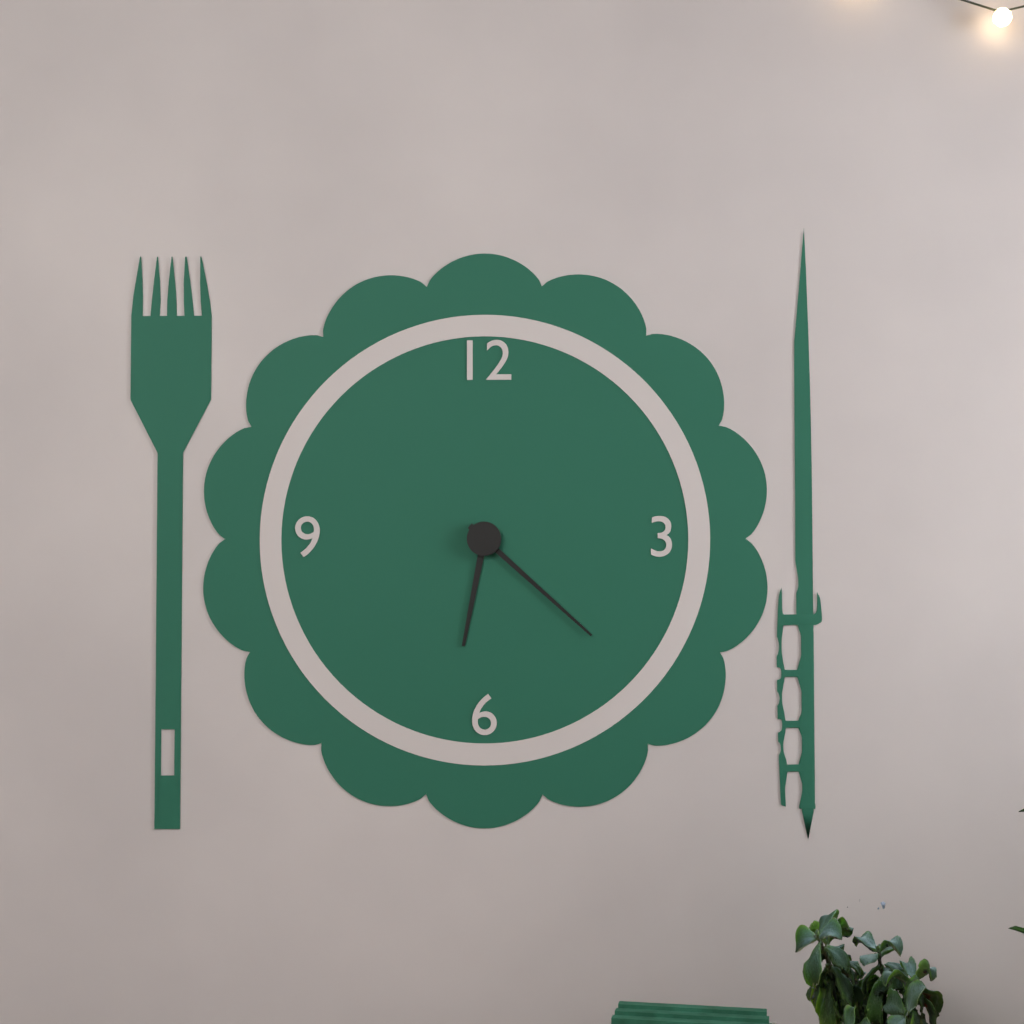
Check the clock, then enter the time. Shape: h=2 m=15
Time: h=6 m=22
